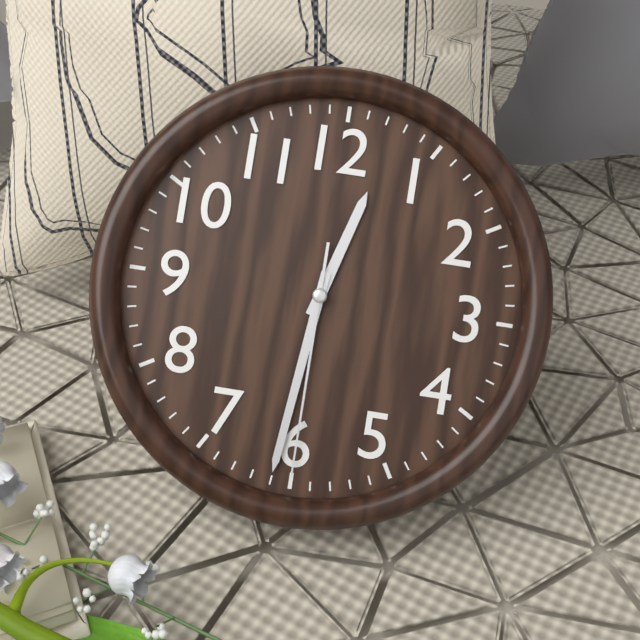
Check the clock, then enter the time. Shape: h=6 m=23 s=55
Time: h=12 m=31 s=30
